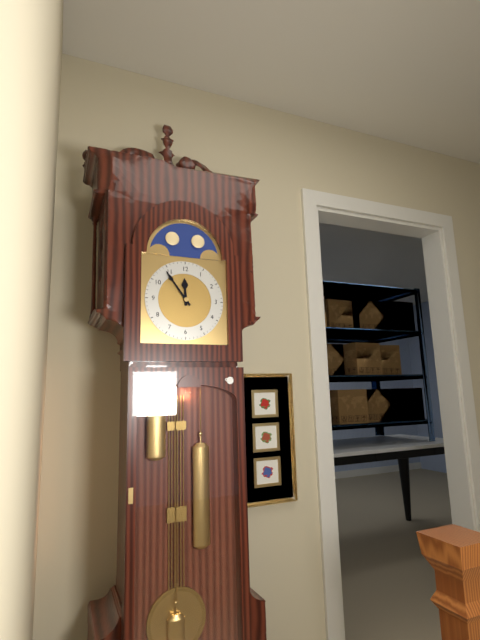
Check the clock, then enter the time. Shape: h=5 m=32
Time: h=11 m=54
